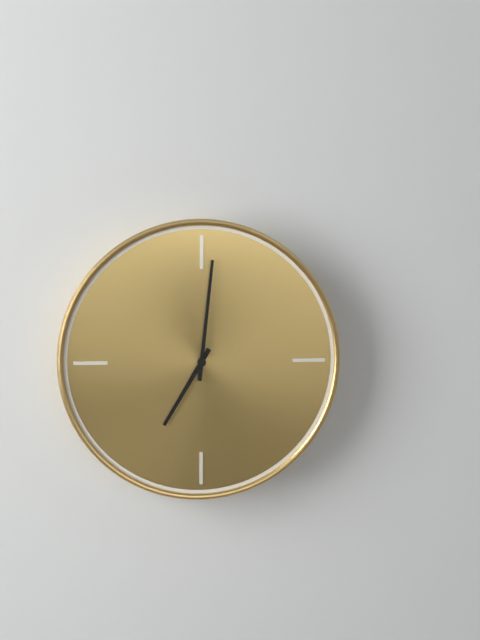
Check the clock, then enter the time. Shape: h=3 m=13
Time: h=7 m=1
